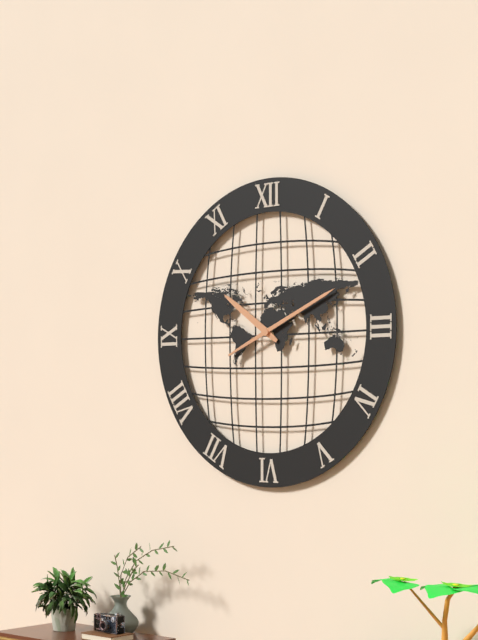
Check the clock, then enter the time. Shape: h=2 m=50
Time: h=10 m=11
